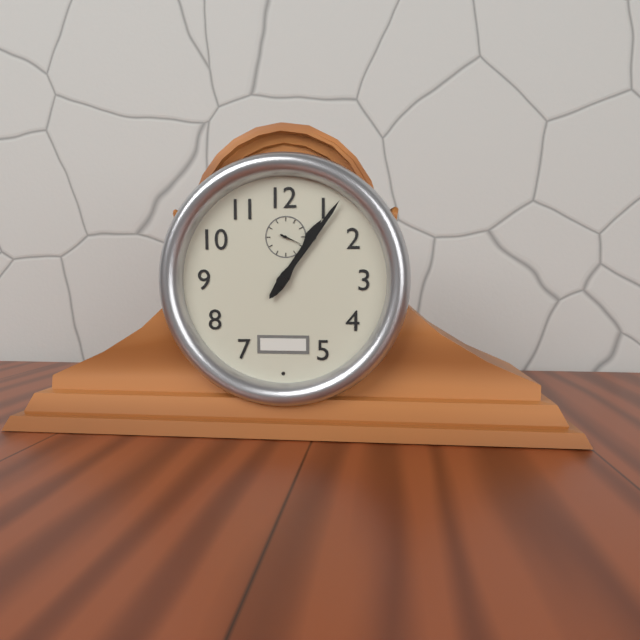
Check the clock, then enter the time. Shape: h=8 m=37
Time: h=1 m=6
